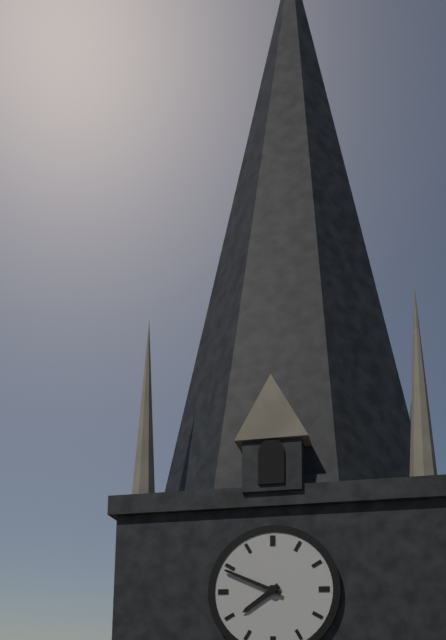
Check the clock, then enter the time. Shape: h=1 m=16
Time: h=7 m=49
